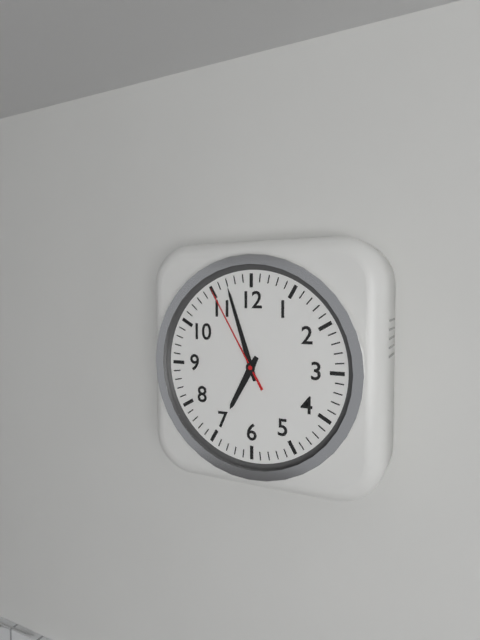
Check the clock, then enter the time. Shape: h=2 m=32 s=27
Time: h=6 m=57 s=55
